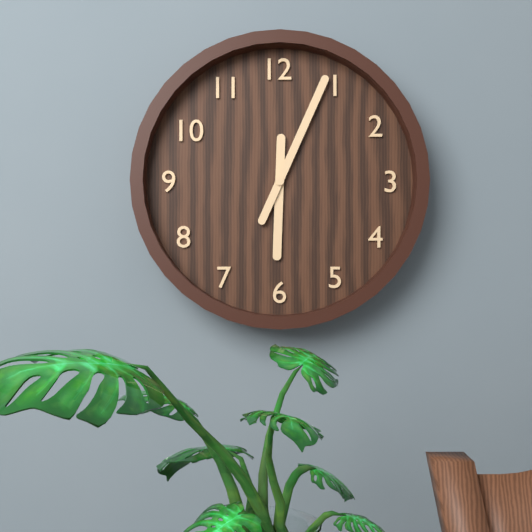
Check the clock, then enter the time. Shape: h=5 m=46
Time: h=6 m=4
